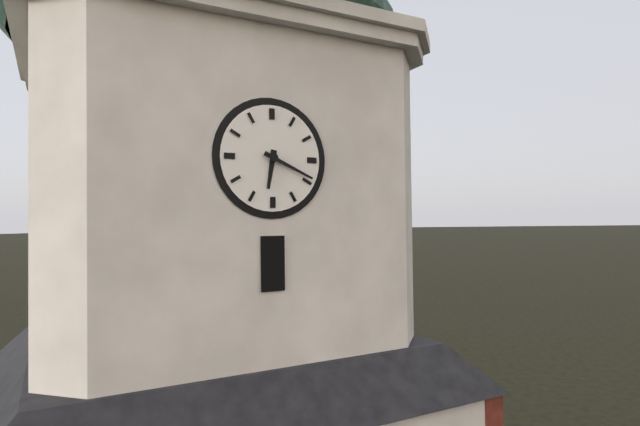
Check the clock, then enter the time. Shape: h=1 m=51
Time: h=6 m=19
